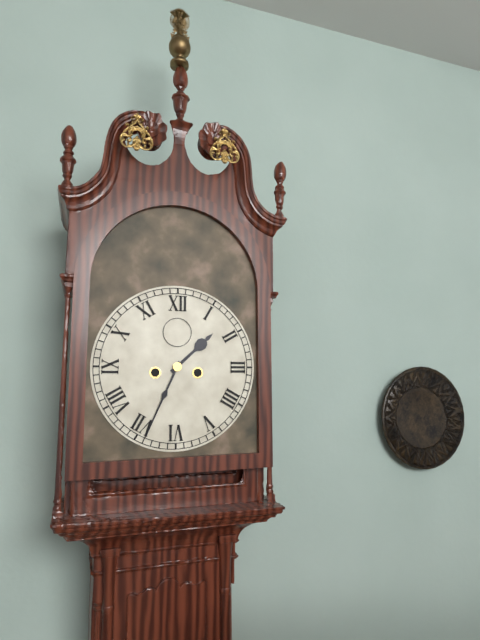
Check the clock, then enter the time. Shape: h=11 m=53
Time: h=1 m=34
